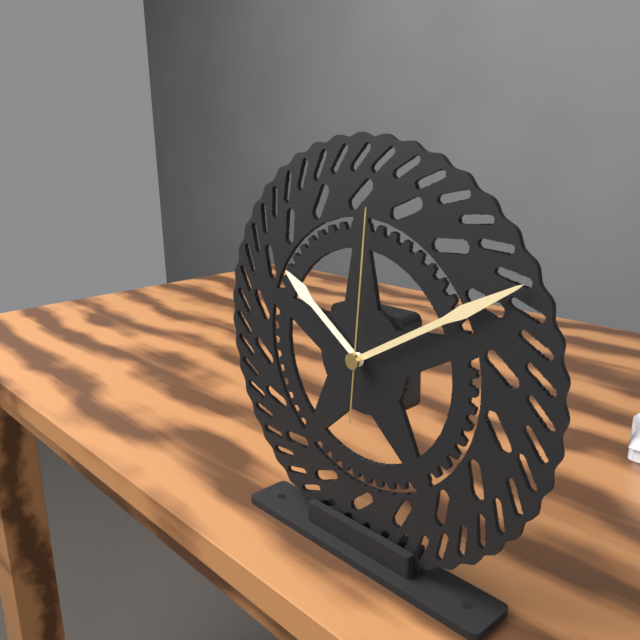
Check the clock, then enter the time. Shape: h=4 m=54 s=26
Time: h=10 m=10 s=1
